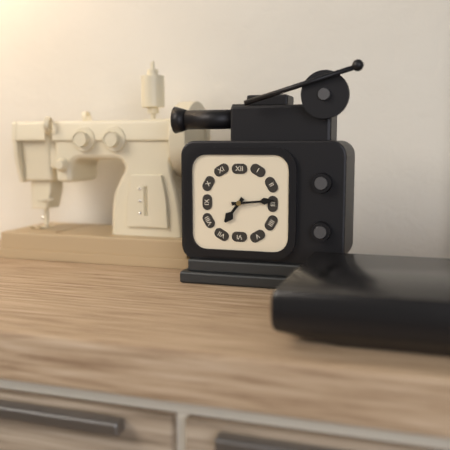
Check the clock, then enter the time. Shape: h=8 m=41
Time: h=7 m=14
